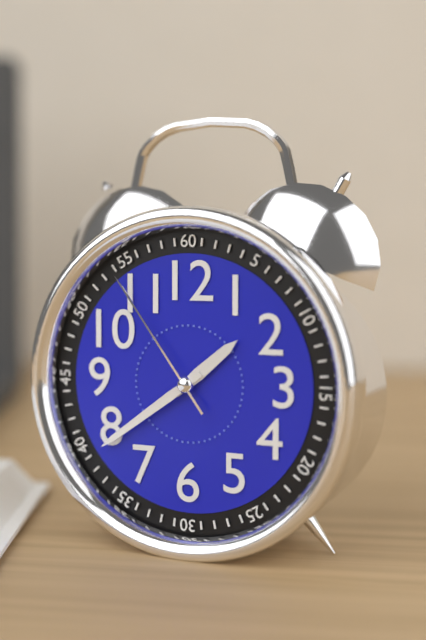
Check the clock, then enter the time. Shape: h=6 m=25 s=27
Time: h=1 m=39 s=54
